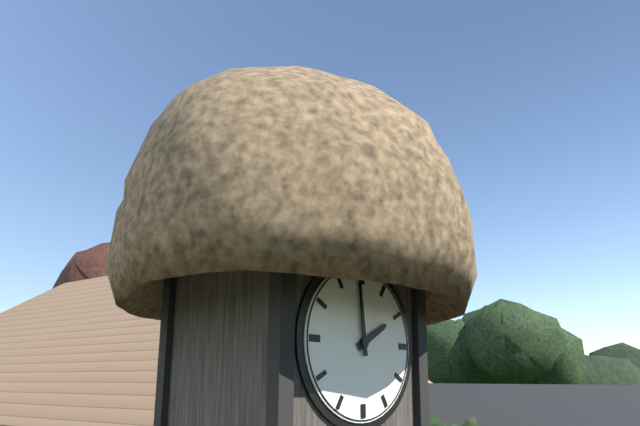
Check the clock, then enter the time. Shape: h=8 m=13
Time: h=1 m=59
